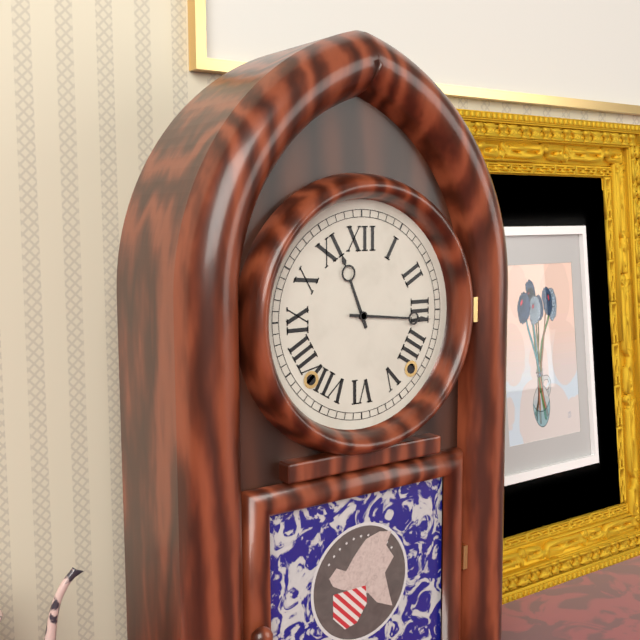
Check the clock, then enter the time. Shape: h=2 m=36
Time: h=11 m=16
